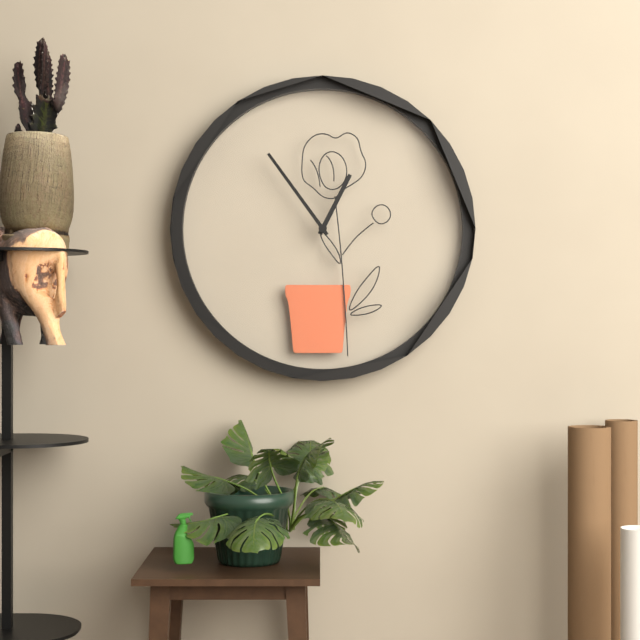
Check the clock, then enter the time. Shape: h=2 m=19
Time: h=12 m=54
